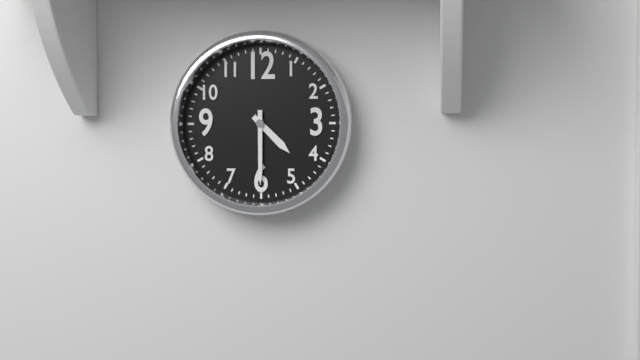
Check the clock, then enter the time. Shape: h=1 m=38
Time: h=4 m=30
